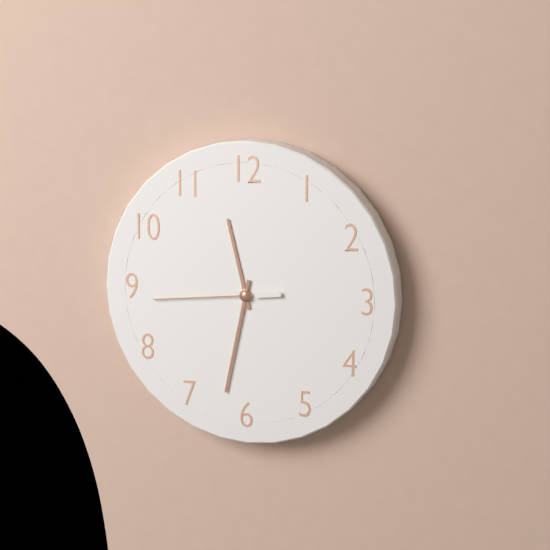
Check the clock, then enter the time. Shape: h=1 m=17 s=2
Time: h=11 m=32 s=44
